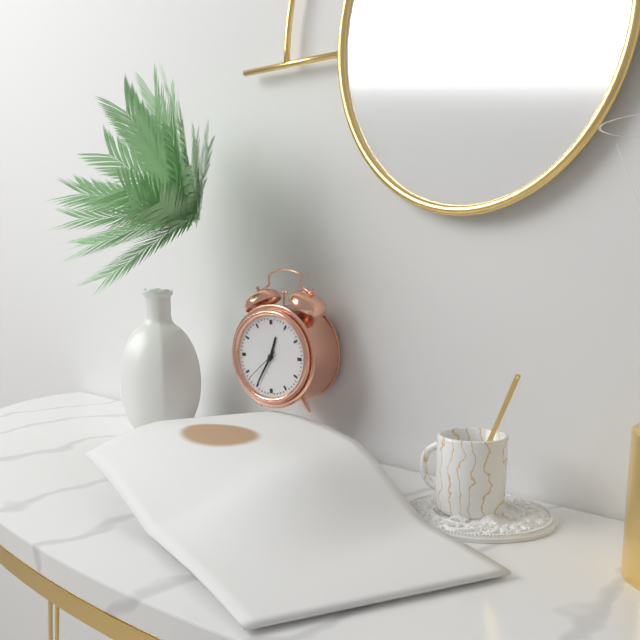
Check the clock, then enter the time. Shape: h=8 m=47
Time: h=12 m=35
